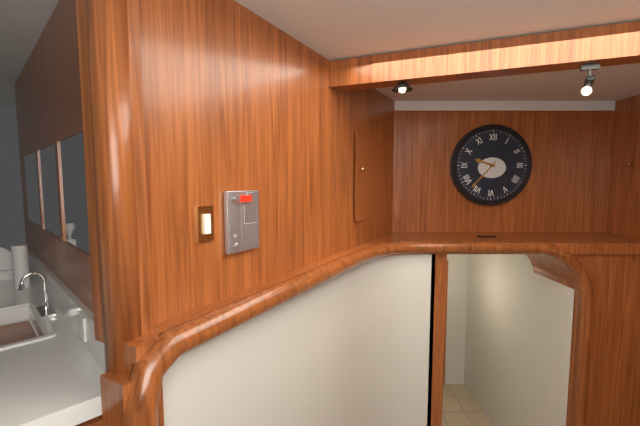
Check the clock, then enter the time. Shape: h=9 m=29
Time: h=9 m=37
